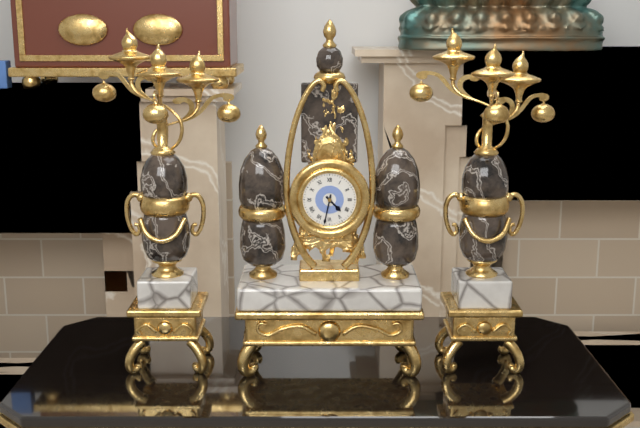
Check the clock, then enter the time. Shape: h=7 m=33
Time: h=4 m=32
